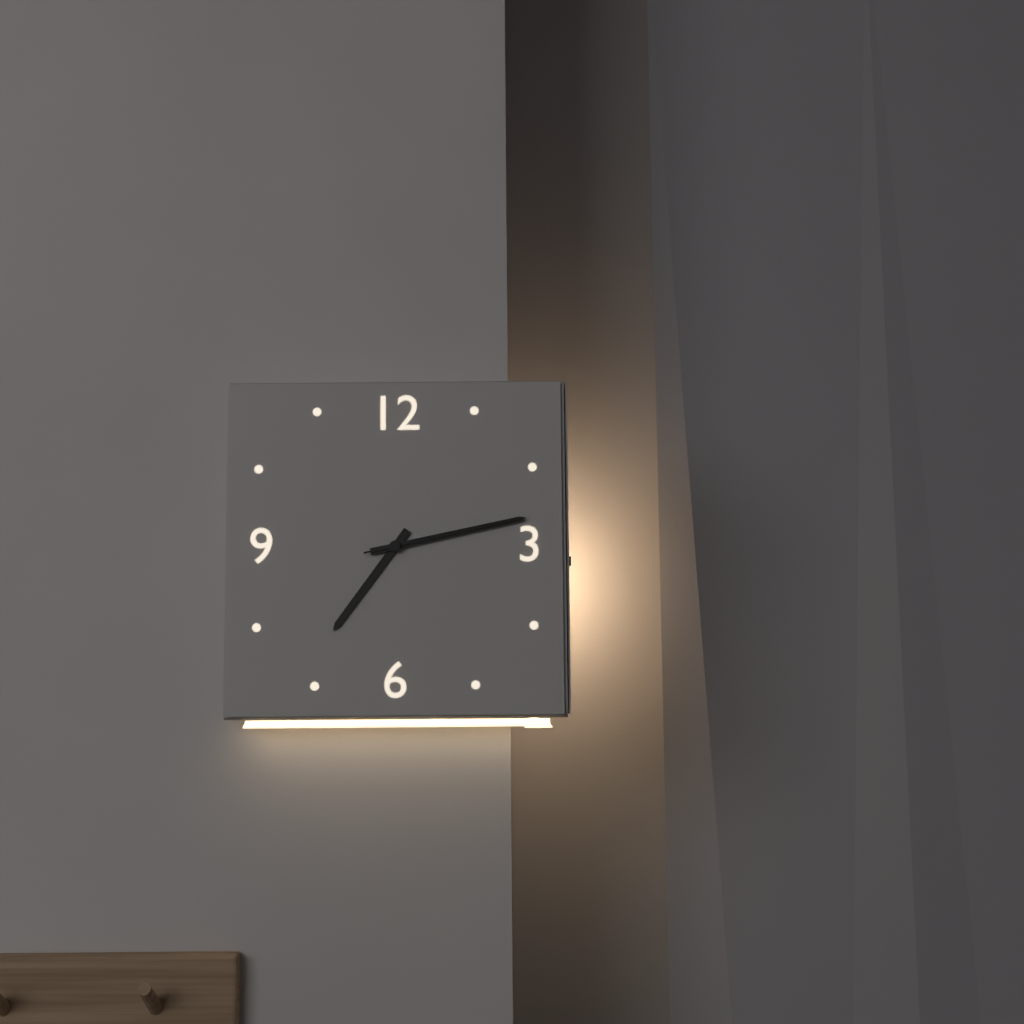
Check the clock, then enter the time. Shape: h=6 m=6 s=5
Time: h=7 m=13 s=13
